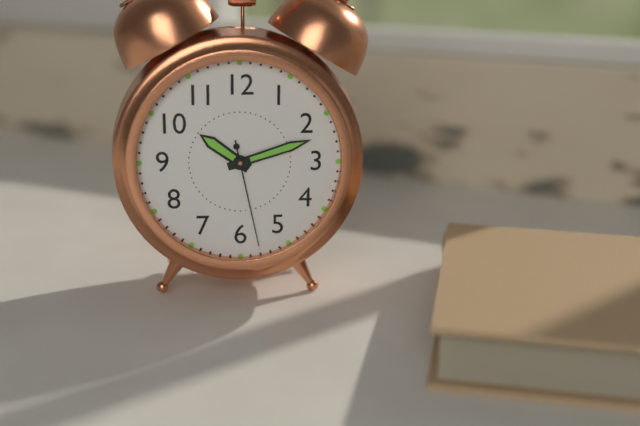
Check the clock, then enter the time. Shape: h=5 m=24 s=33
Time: h=10 m=12 s=28
